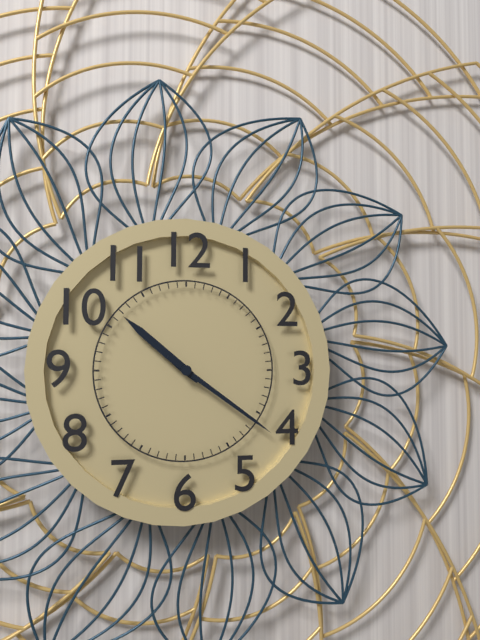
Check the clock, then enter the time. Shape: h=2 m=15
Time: h=10 m=21
